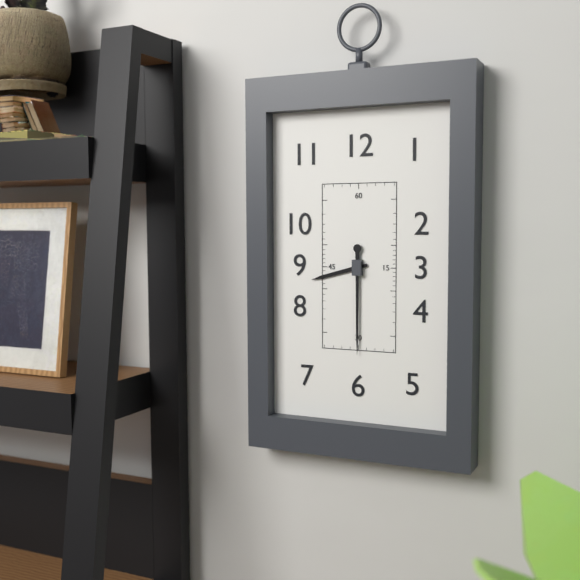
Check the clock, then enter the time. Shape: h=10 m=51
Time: h=8 m=30
